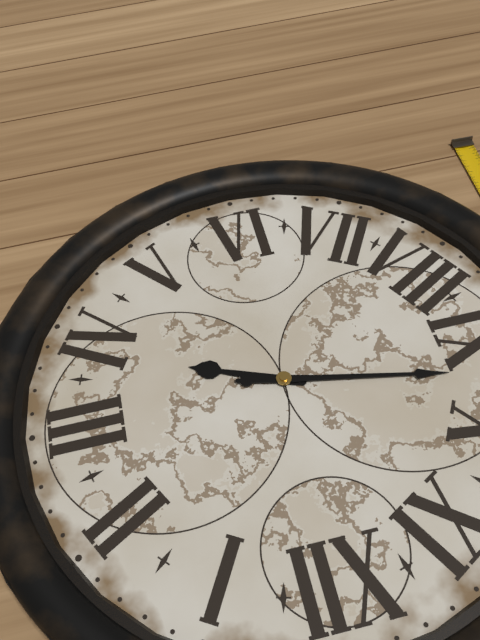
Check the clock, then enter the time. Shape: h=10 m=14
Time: h=3 m=47
